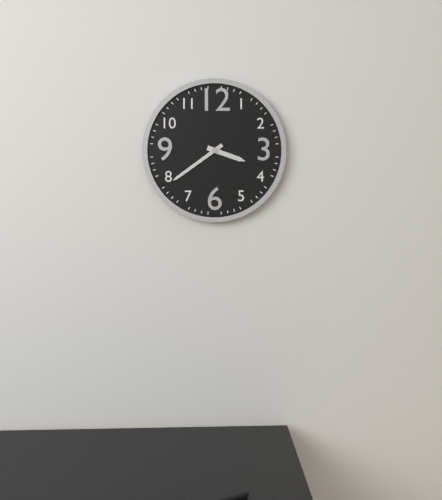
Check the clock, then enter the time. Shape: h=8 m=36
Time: h=3 m=39
